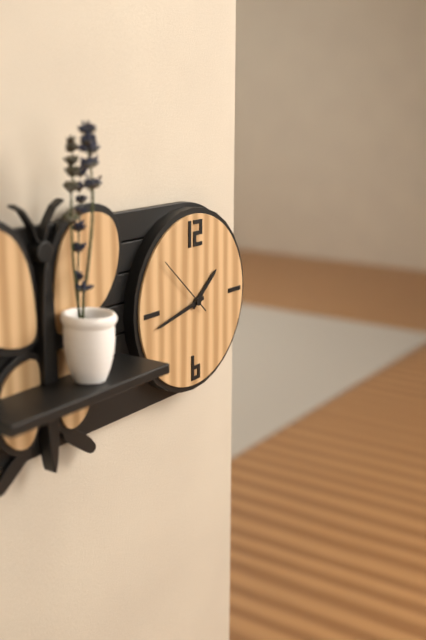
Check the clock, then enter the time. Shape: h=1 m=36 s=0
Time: h=1 m=43 s=52
